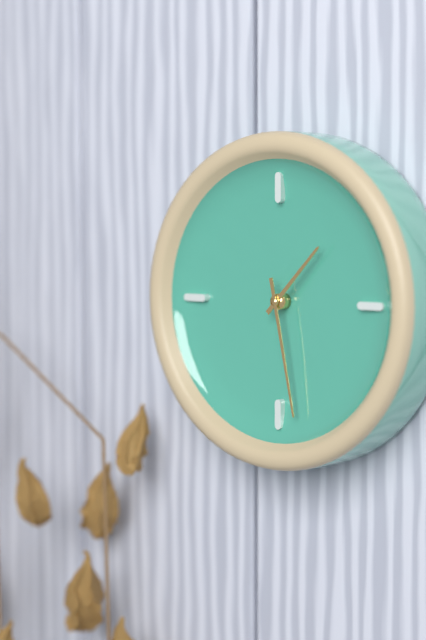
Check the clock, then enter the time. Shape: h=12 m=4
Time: h=1 m=28
